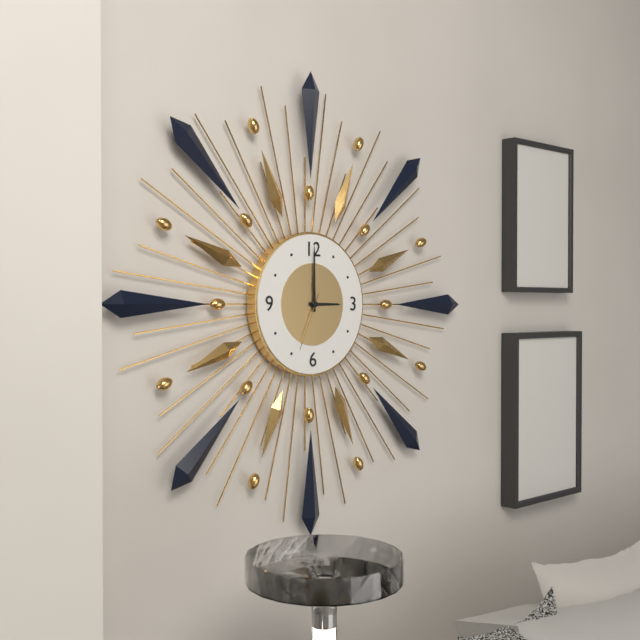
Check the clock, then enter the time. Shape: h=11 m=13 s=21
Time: h=3 m=0 s=34
